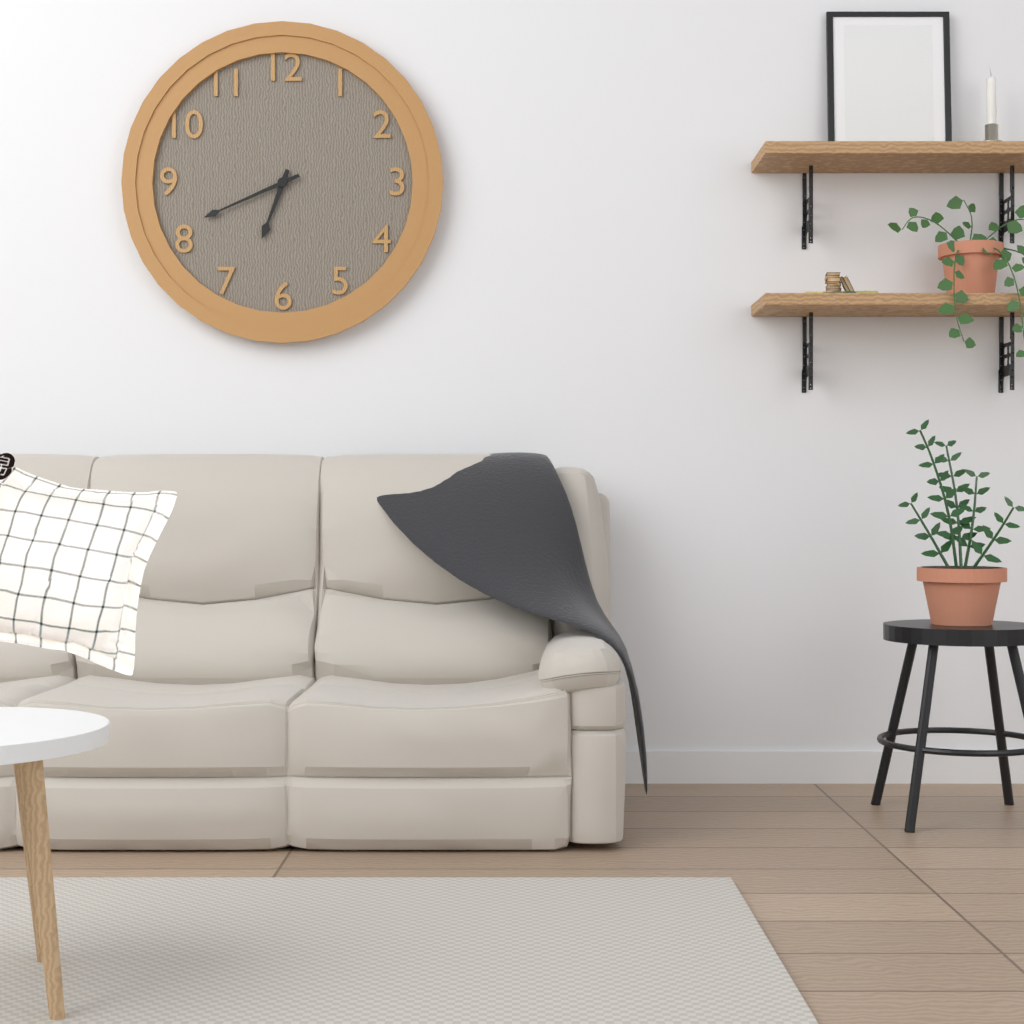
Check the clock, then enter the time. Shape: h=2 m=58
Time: h=6 m=41
